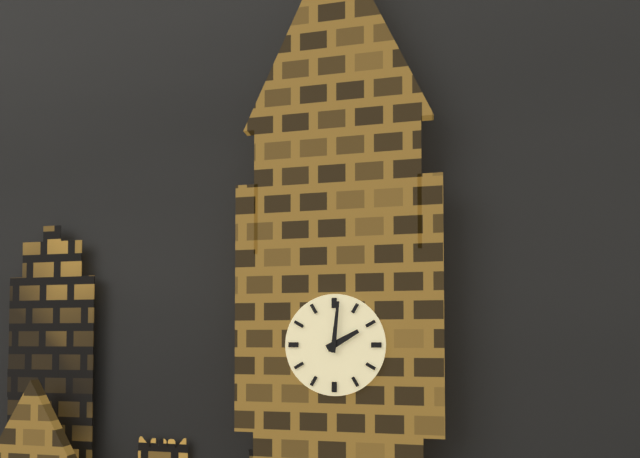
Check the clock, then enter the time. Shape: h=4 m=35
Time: h=2 m=1
